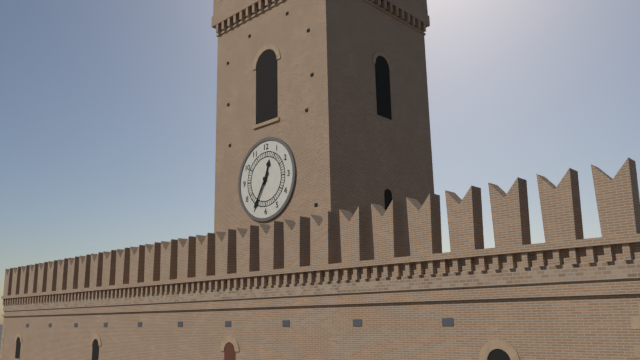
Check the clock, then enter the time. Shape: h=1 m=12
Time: h=12 m=35
